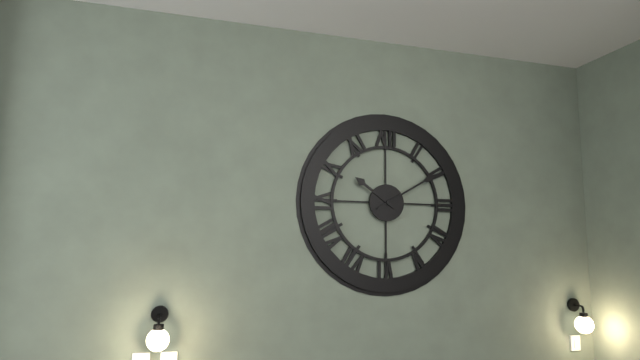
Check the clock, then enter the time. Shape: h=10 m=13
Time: h=10 m=10
